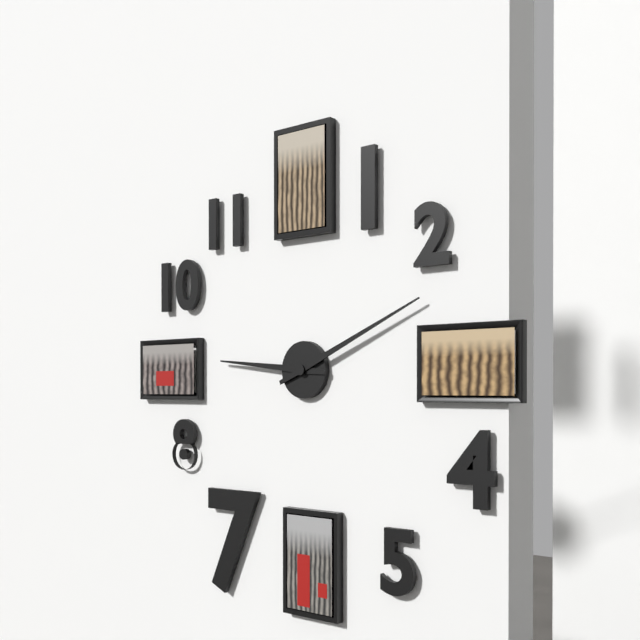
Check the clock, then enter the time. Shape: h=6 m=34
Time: h=9 m=11
